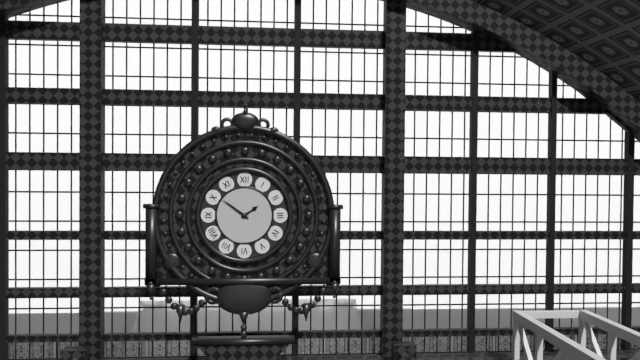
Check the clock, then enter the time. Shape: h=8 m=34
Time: h=1 m=51
